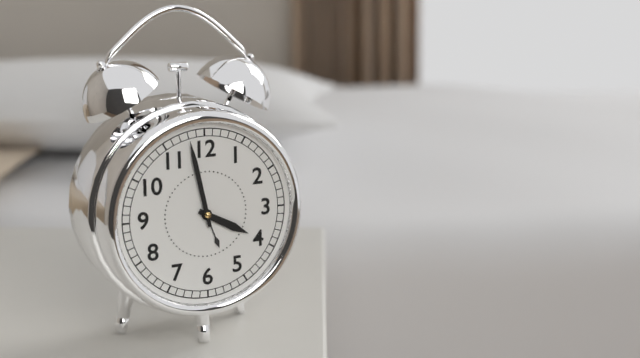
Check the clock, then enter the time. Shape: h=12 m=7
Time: h=3 m=58
